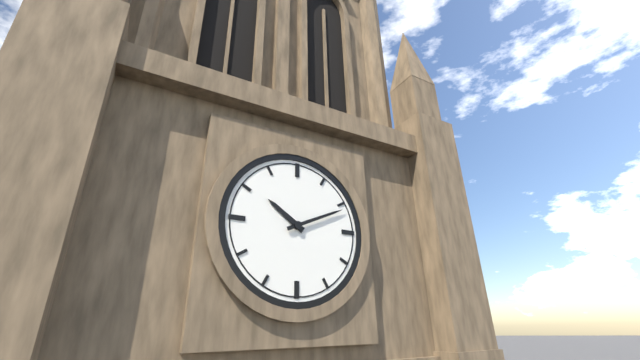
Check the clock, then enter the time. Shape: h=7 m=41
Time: h=10 m=11
